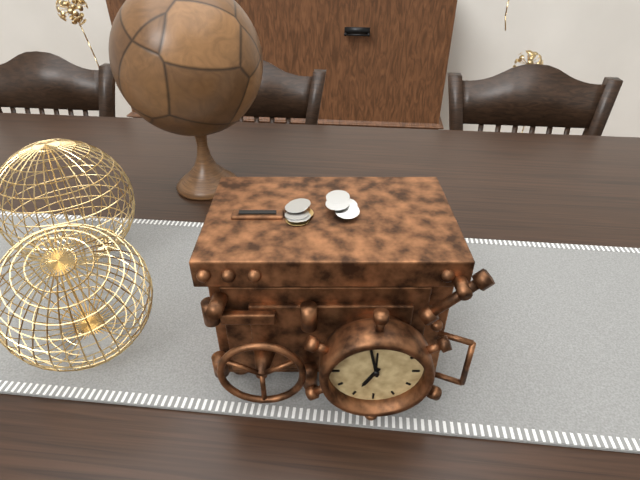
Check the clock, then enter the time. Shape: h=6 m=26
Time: h=6 m=58
